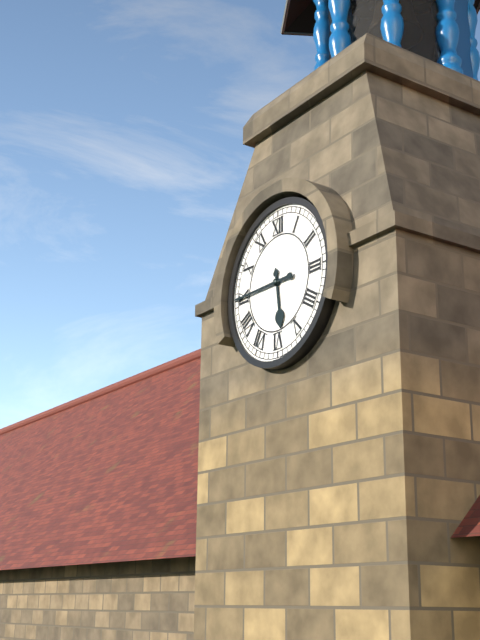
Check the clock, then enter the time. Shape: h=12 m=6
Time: h=5 m=45
